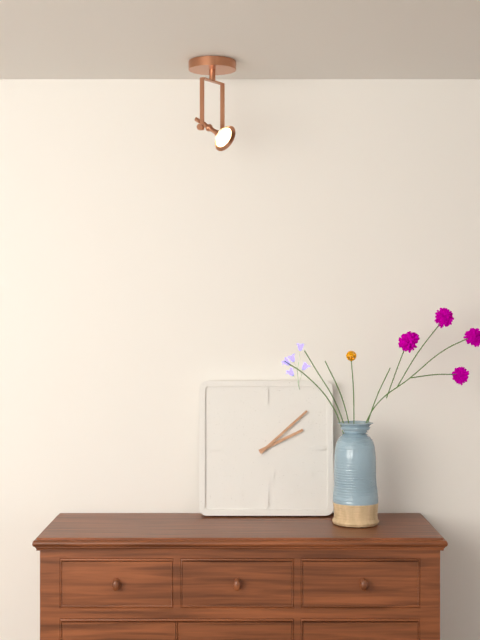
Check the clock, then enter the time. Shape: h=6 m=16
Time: h=2 m=8
